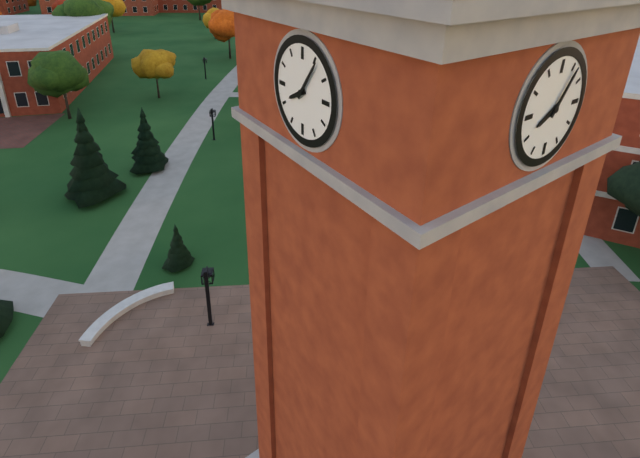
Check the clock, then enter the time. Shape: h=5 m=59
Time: h=8 m=6
